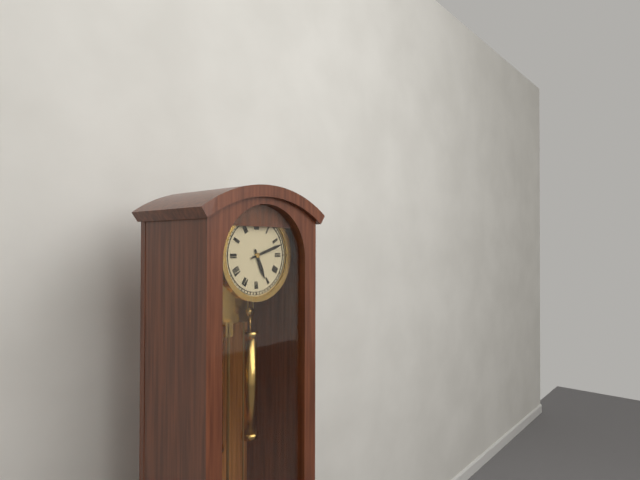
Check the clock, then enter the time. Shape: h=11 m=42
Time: h=5 m=12
